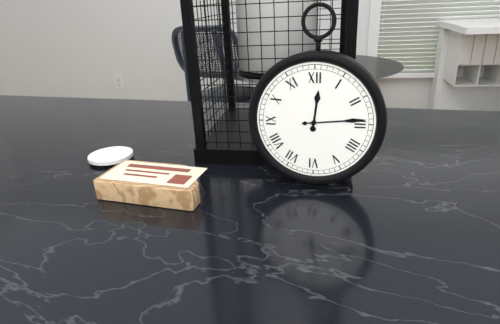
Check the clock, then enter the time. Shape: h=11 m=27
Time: h=12 m=14
